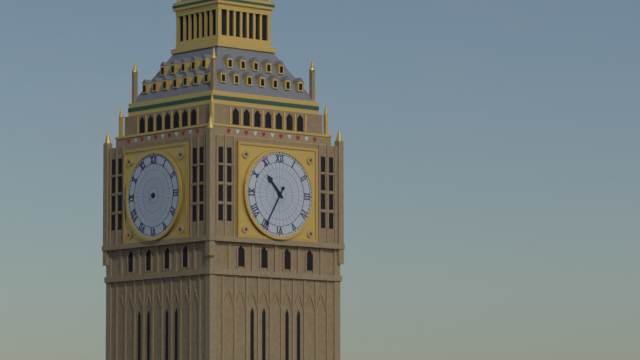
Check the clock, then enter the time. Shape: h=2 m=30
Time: h=10 m=35
